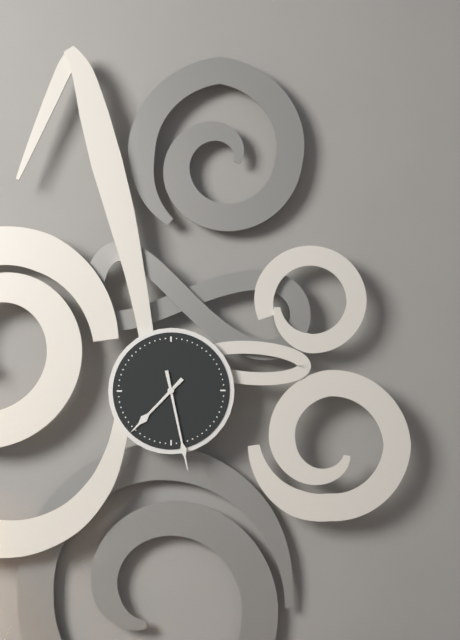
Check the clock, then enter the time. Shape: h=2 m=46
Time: h=7 m=28
